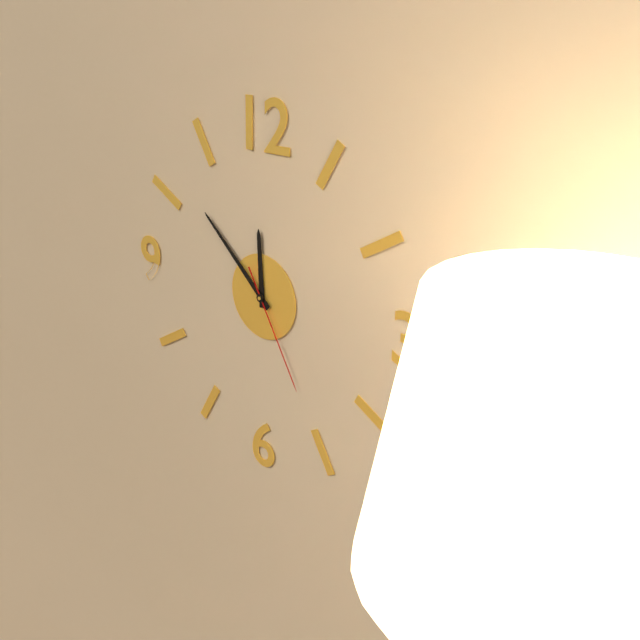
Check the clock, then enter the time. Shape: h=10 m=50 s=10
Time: h=11 m=52 s=25
